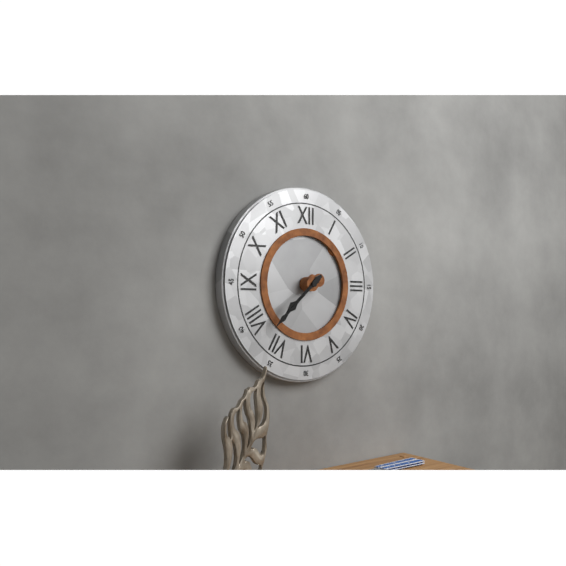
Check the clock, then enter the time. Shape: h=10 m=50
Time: h=7 m=38
